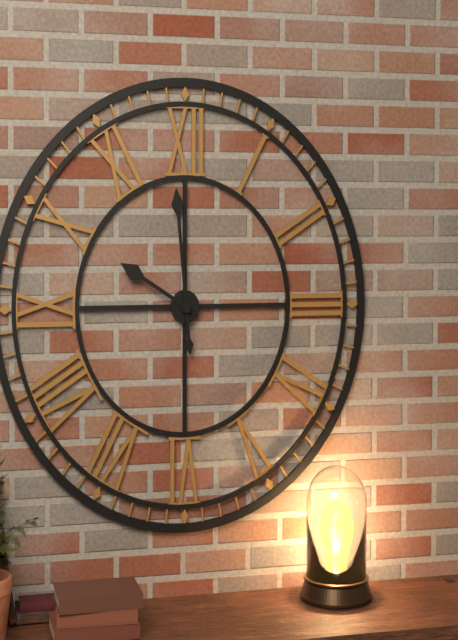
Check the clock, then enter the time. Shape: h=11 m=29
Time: h=9 m=59
